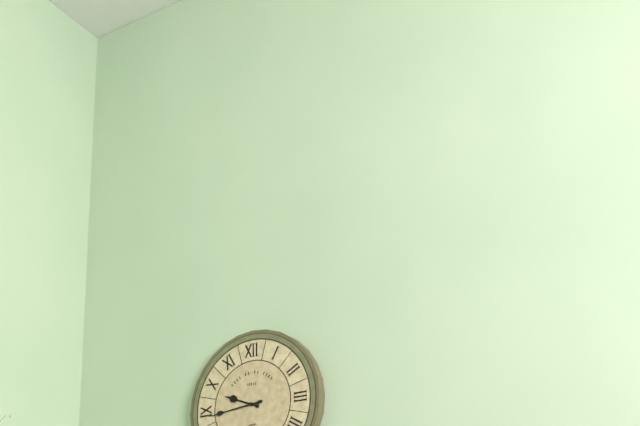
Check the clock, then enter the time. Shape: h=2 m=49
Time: h=9 m=44
